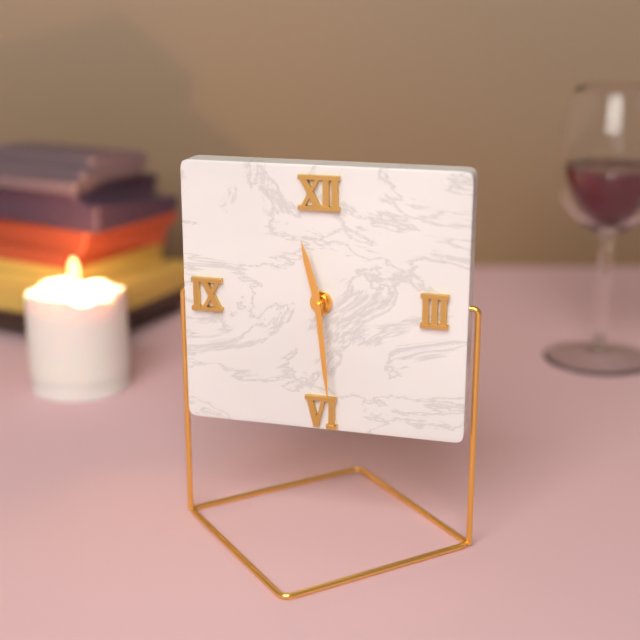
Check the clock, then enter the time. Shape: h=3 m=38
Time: h=11 m=29
